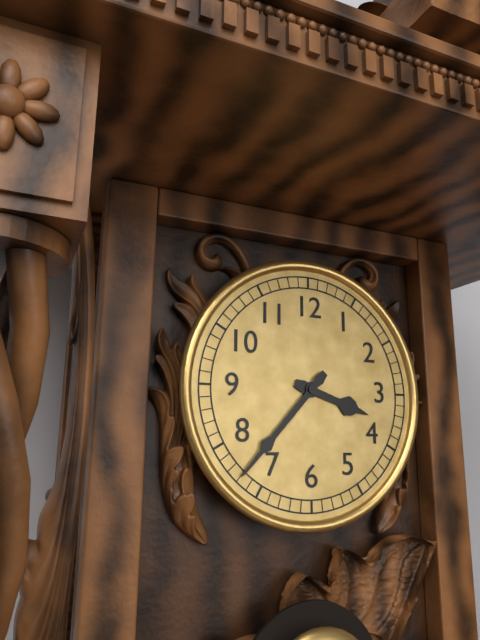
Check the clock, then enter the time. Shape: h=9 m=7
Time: h=3 m=37
